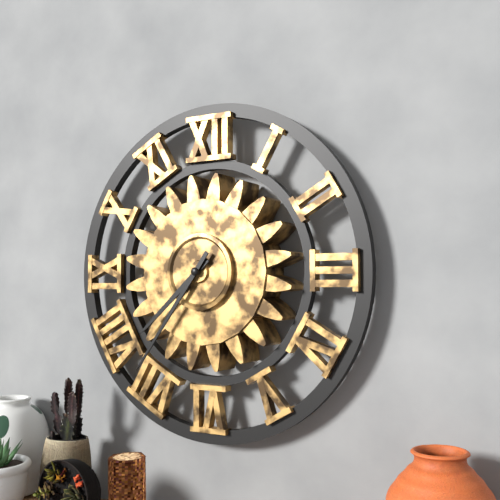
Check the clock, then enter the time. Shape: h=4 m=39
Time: h=7 m=36
